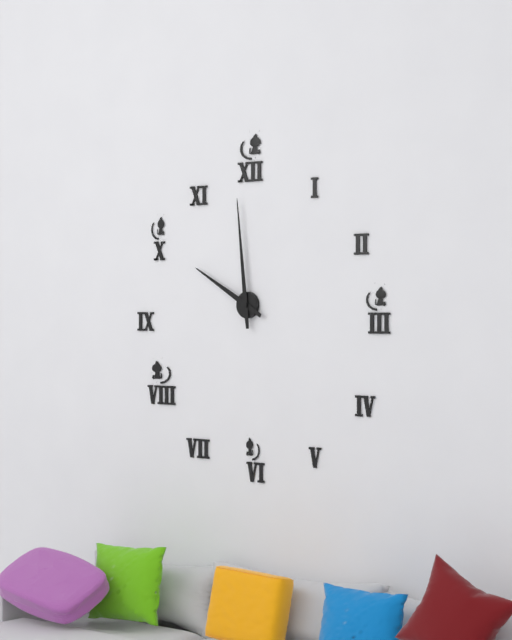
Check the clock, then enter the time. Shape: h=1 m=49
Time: h=9 m=59
